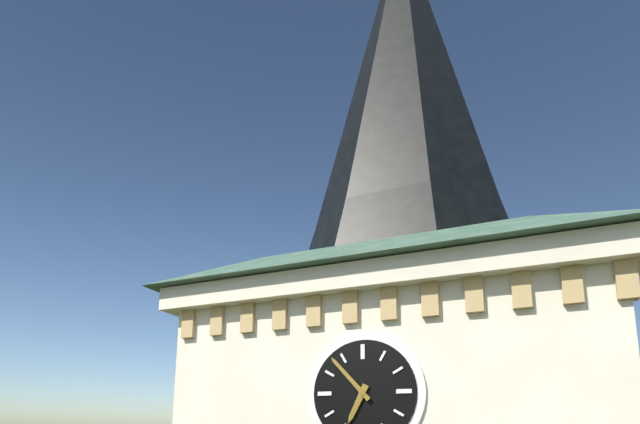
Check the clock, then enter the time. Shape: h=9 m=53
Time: h=6 m=53
